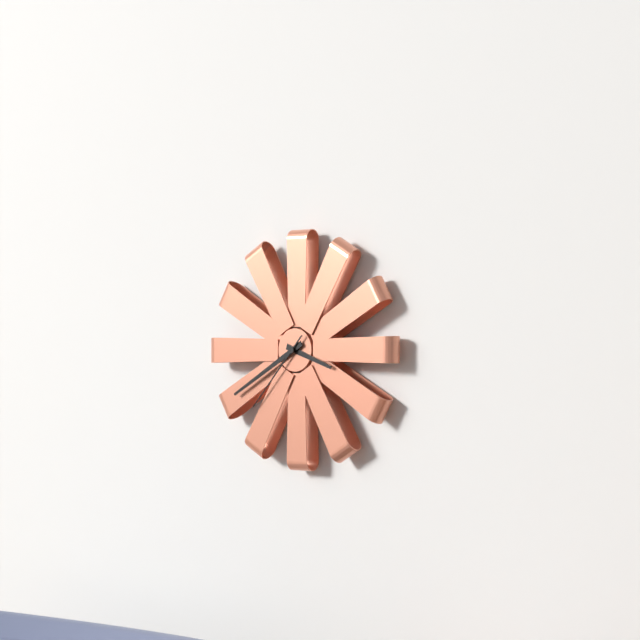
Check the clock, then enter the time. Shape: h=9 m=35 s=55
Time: h=3 m=40 s=37
